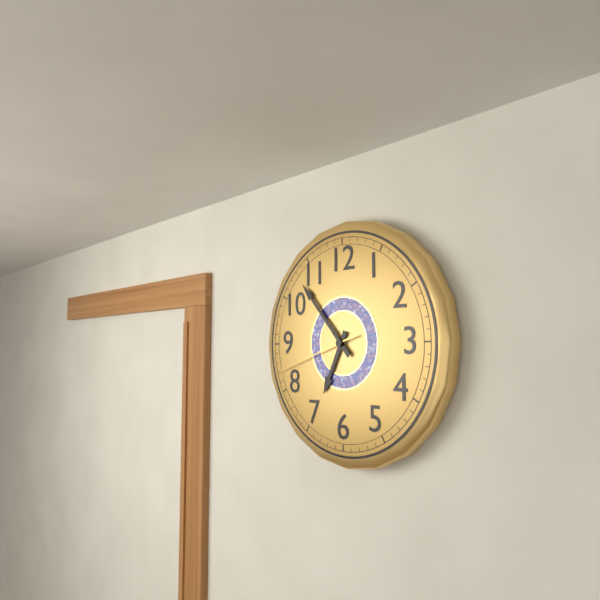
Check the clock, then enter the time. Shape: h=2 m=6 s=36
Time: h=6 m=53 s=42
